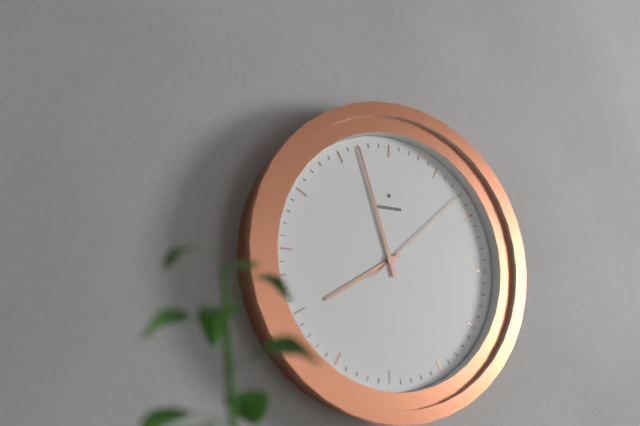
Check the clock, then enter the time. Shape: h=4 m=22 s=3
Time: h=7 m=57 s=8
